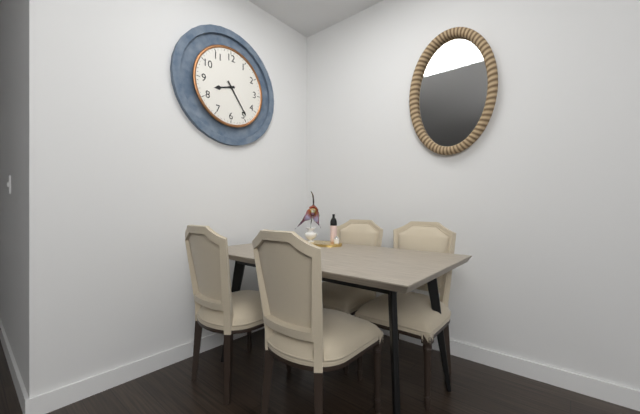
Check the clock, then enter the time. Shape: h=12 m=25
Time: h=8 m=24
